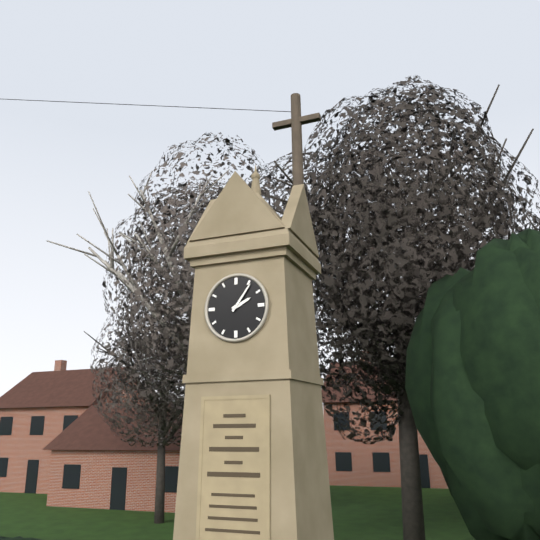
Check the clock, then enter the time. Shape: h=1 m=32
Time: h=2 m=6
